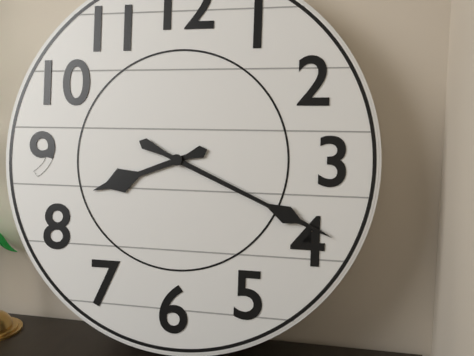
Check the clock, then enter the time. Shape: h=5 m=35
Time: h=8 m=19
